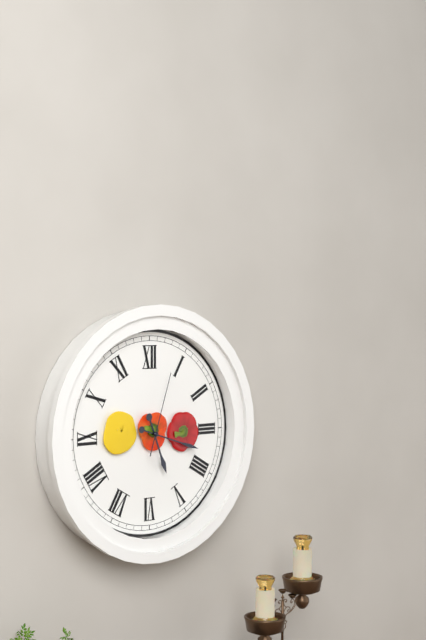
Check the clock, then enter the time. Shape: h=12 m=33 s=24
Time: h=5 m=18 s=3
